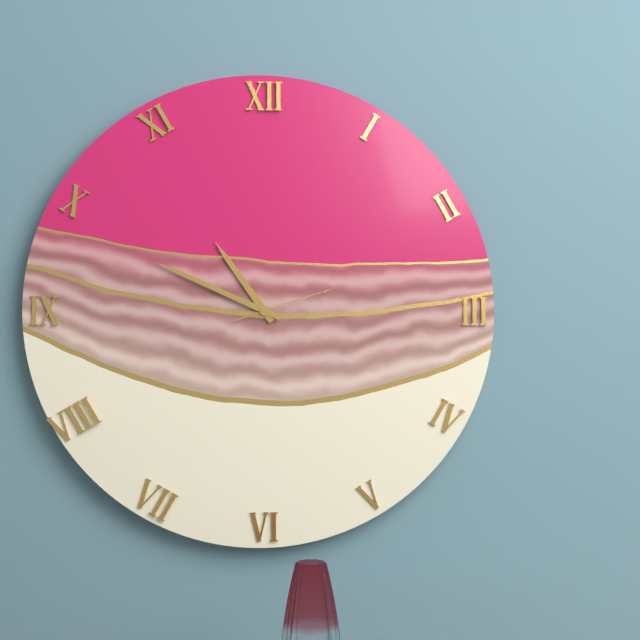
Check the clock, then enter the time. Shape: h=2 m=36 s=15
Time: h=10 m=49 s=12
